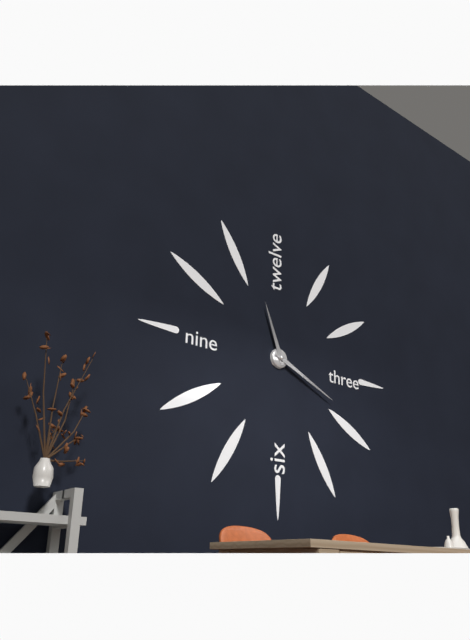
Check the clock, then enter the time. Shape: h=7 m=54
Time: h=11 m=19
